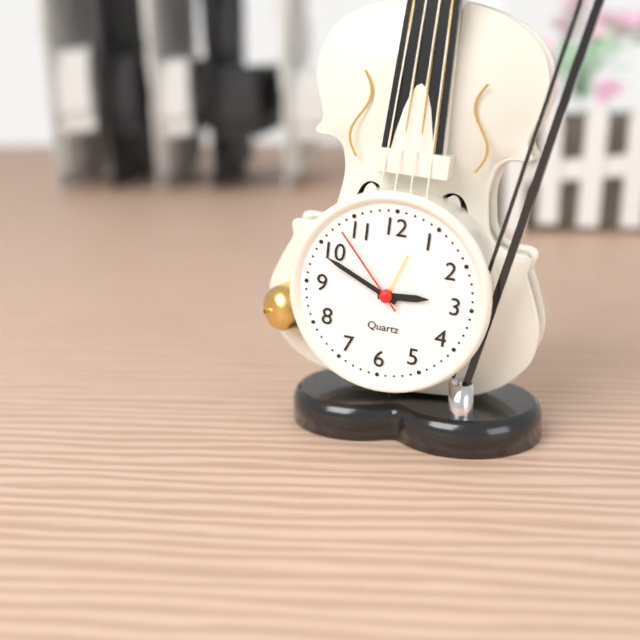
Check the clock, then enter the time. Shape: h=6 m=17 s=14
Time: h=2 m=49 s=53
